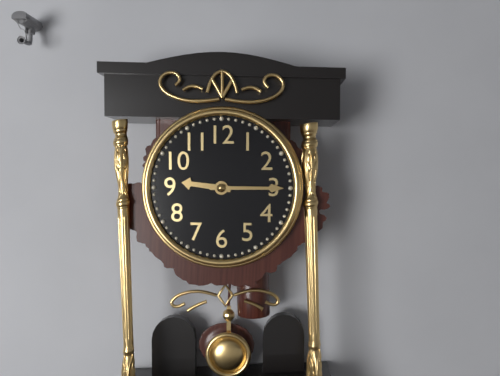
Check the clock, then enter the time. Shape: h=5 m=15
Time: h=9 m=15
